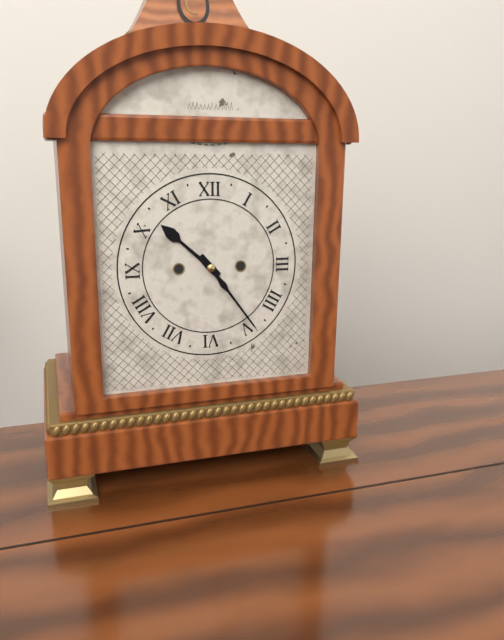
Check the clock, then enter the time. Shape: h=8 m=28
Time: h=10 m=24
